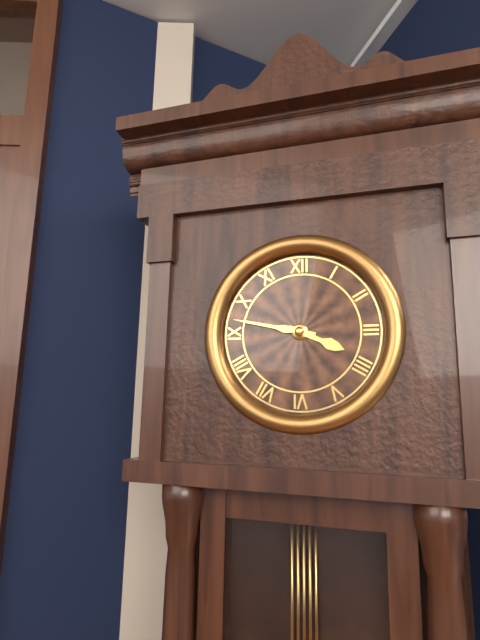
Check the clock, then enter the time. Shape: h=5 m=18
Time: h=3 m=47
